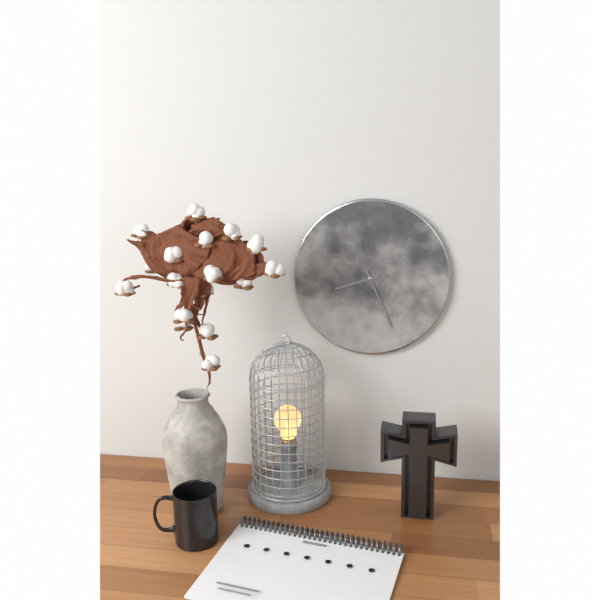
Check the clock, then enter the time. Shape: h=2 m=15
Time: h=8 m=26
